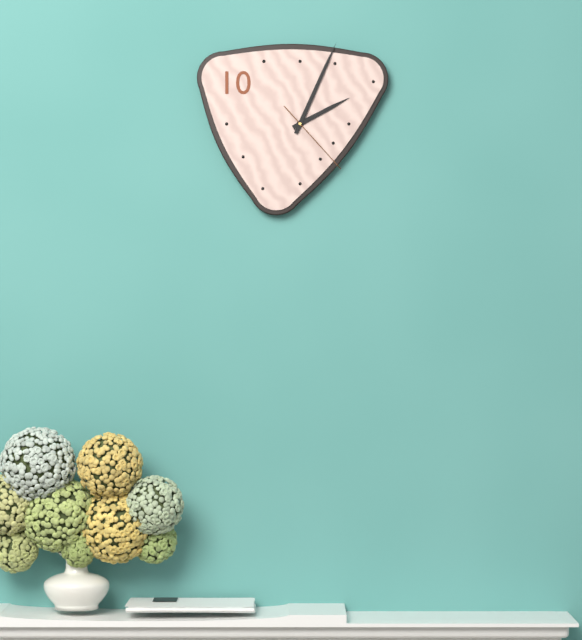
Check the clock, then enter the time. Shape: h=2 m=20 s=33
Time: h=2 m=4 s=23
